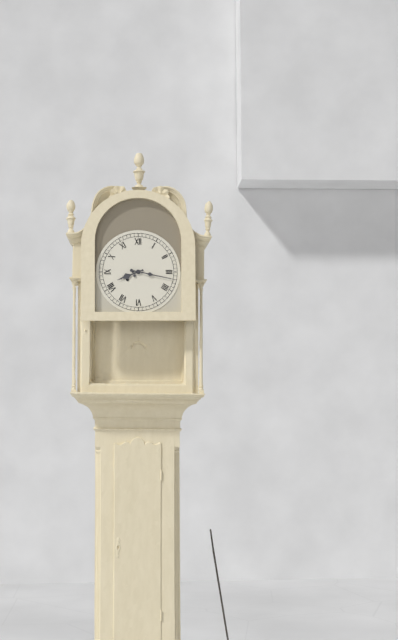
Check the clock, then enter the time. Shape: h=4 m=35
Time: h=8 m=17
